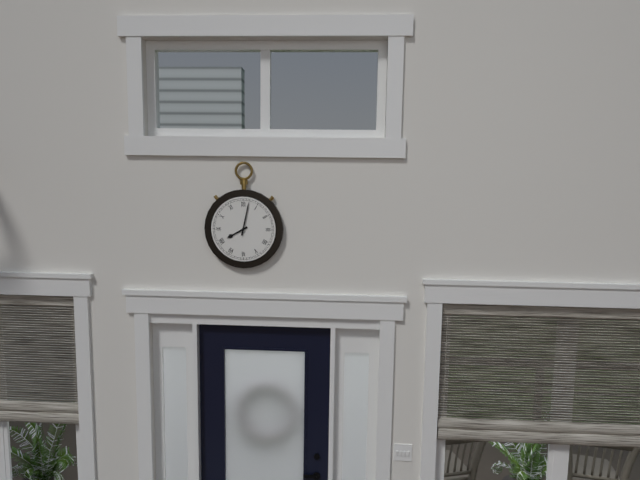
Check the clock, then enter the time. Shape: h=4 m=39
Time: h=8 m=2
